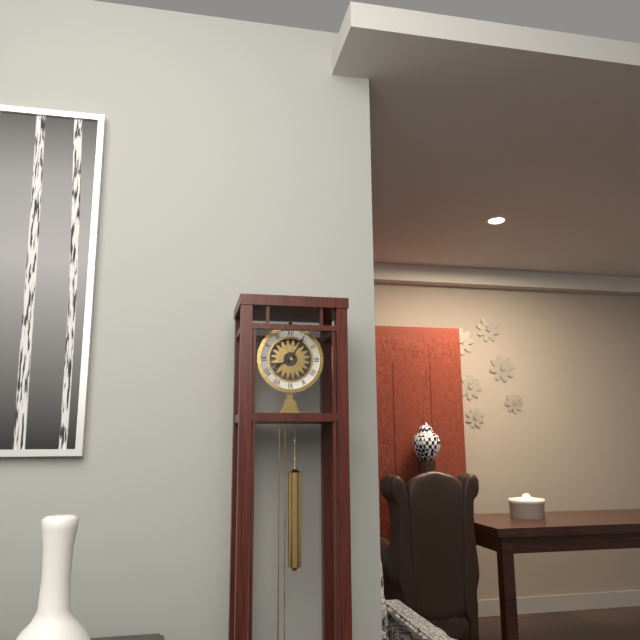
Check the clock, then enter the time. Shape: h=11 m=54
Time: h=8 m=5
